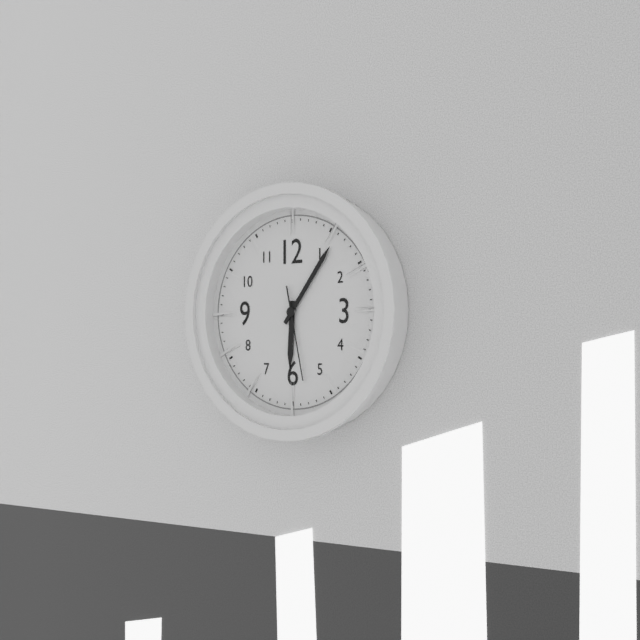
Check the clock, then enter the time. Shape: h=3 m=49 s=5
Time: h=6 m=6 s=28
